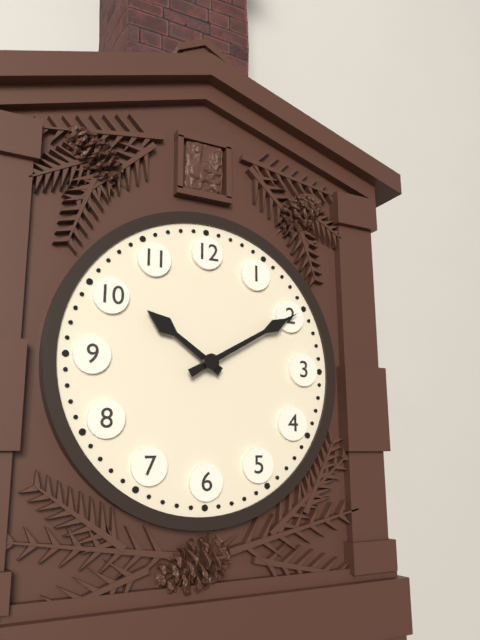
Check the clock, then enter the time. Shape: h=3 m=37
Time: h=10 m=10
